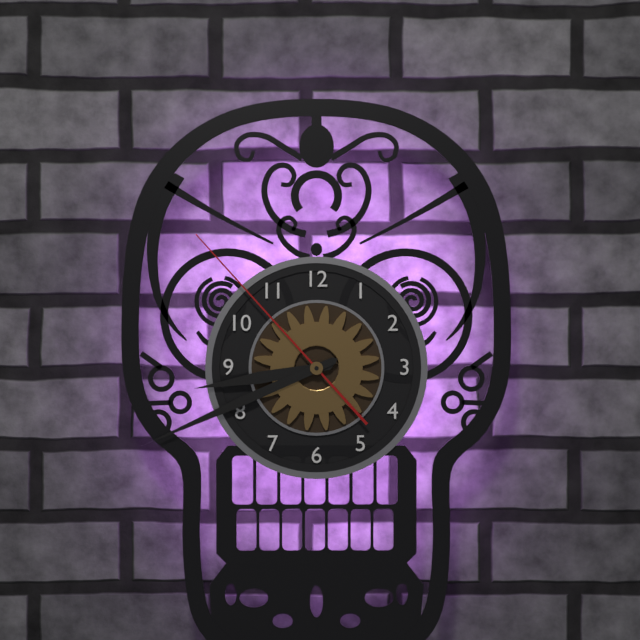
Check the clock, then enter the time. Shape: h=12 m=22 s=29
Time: h=8 m=41 s=53
